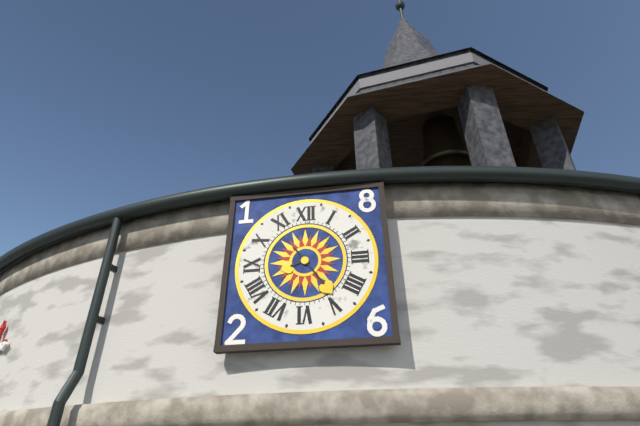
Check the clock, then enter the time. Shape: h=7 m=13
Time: h=8 m=24
